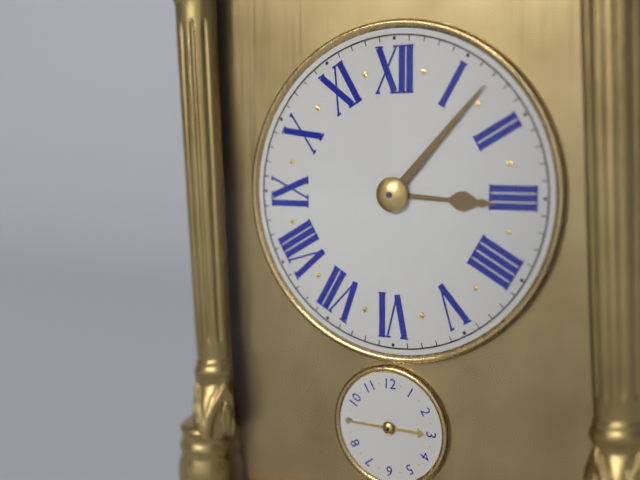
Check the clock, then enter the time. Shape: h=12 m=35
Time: h=3 m=7
